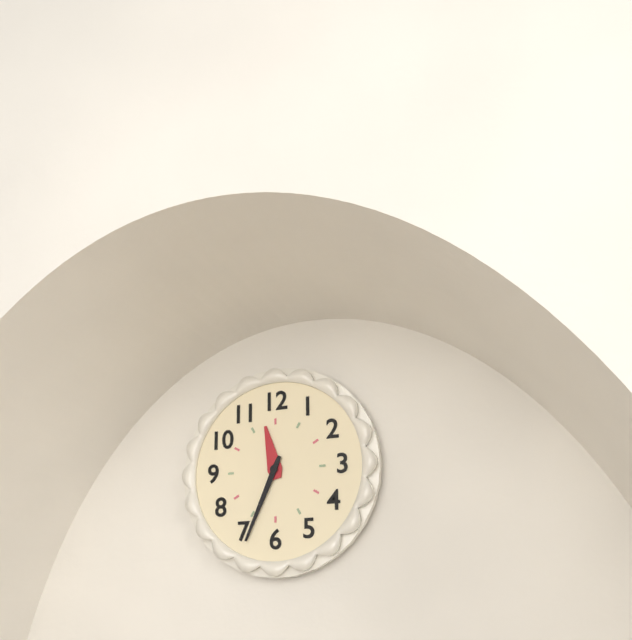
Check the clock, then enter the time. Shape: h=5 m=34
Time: h=11 m=34
